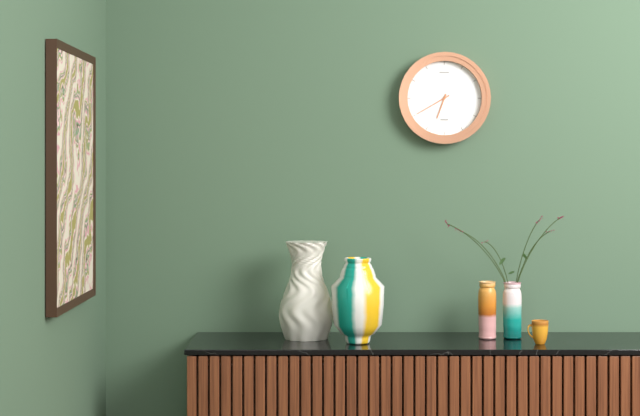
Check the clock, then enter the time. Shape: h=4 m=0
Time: h=6 m=40
